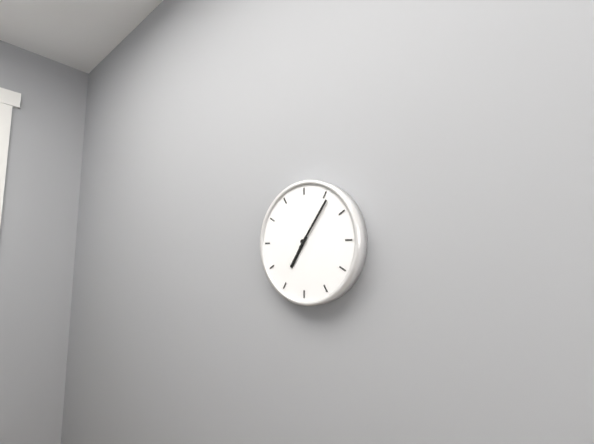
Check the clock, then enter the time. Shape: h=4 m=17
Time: h=7 m=6
